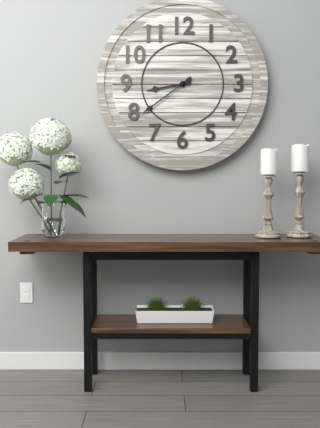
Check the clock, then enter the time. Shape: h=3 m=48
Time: h=8 m=39
